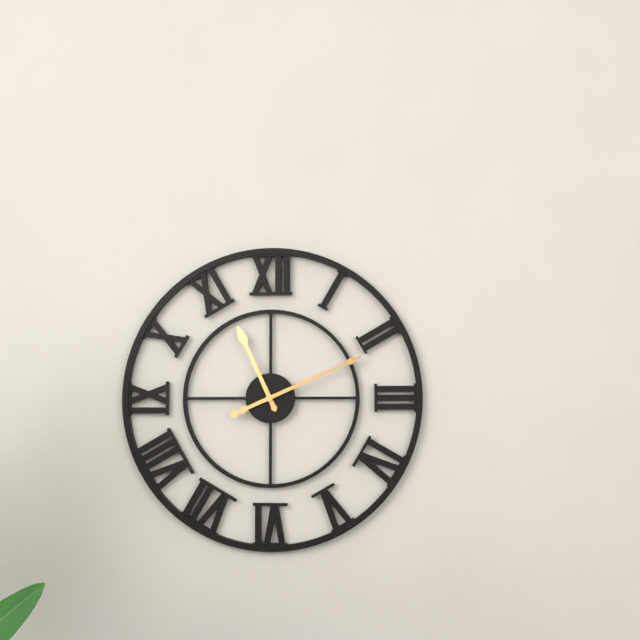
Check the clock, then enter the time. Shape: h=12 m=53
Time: h=11 m=11
